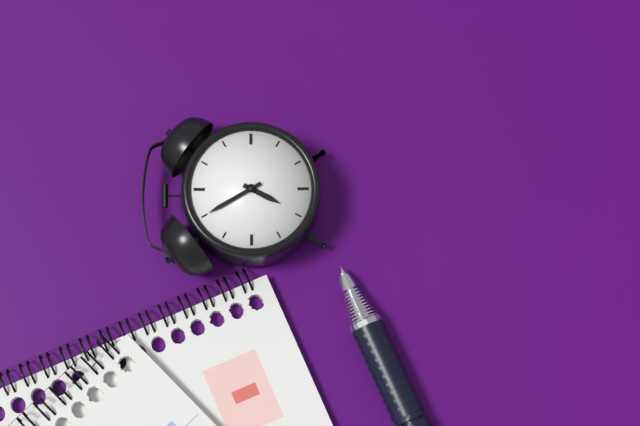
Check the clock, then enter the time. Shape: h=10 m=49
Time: h=6 m=55
